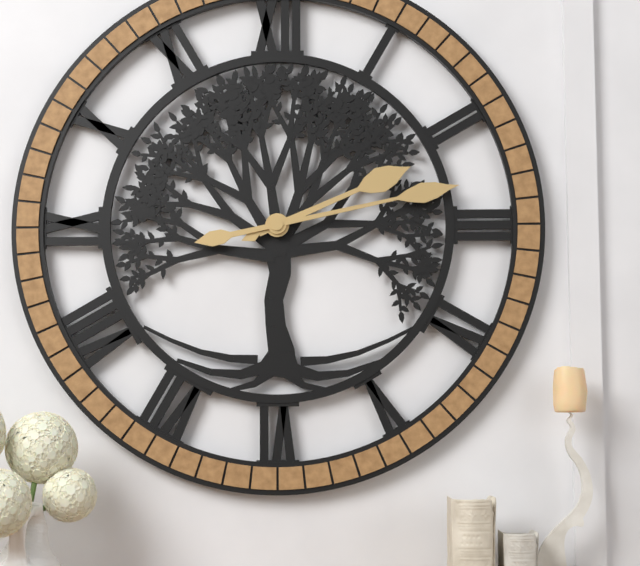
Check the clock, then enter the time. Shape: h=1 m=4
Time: h=2 m=13
